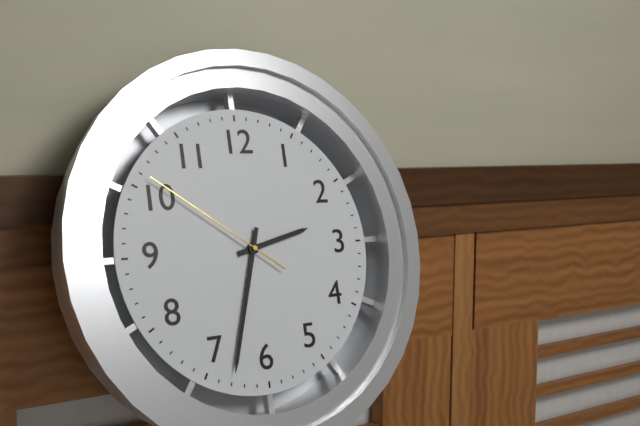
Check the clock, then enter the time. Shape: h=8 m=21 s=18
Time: h=2 m=33 s=51
